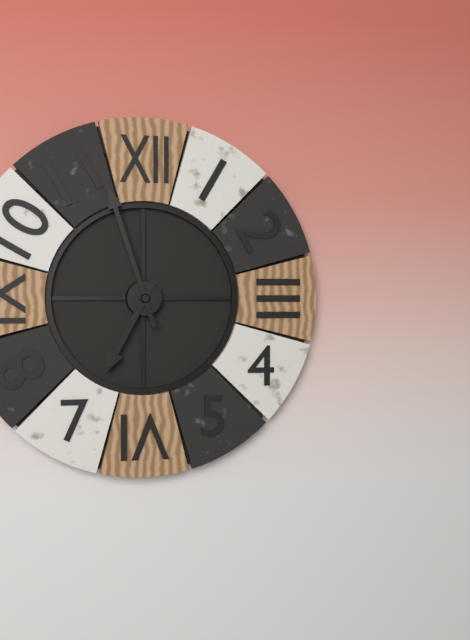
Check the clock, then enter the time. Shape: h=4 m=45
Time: h=6 m=57
